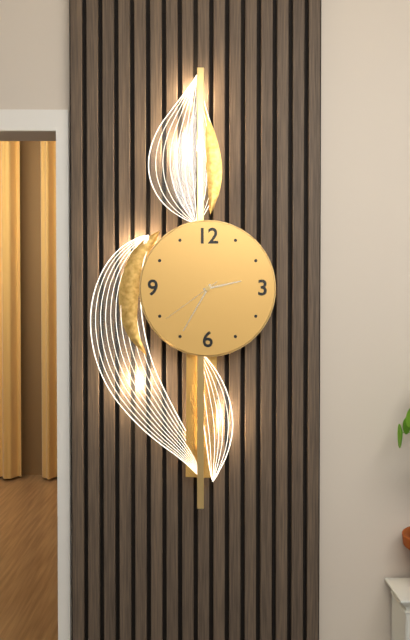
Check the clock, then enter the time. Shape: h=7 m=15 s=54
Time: h=2 m=35 s=39
